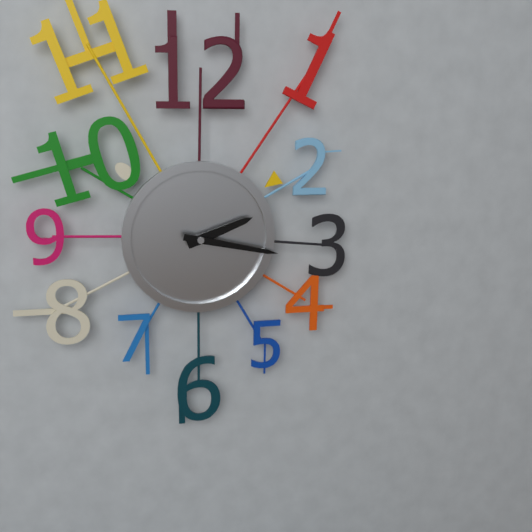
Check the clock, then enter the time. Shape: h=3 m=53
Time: h=2 m=17
